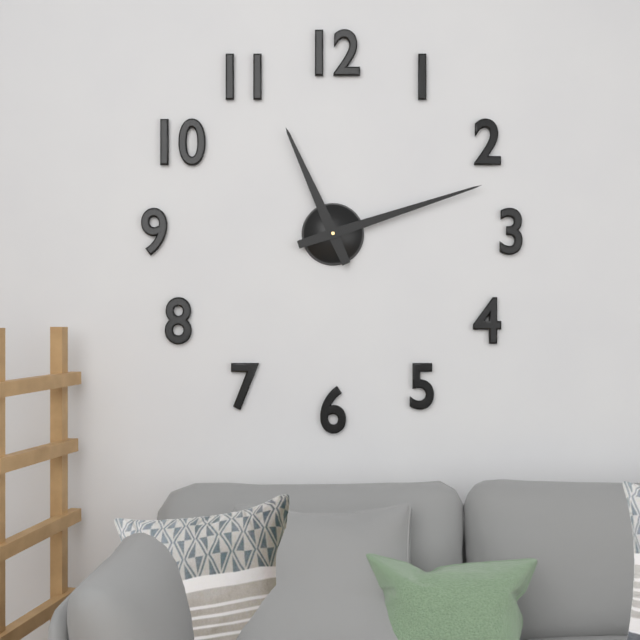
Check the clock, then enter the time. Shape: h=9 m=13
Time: h=11 m=12
